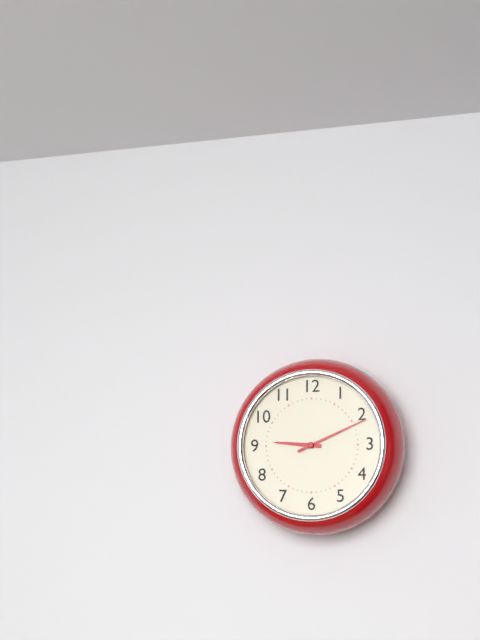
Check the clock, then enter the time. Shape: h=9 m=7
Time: h=9 m=11
